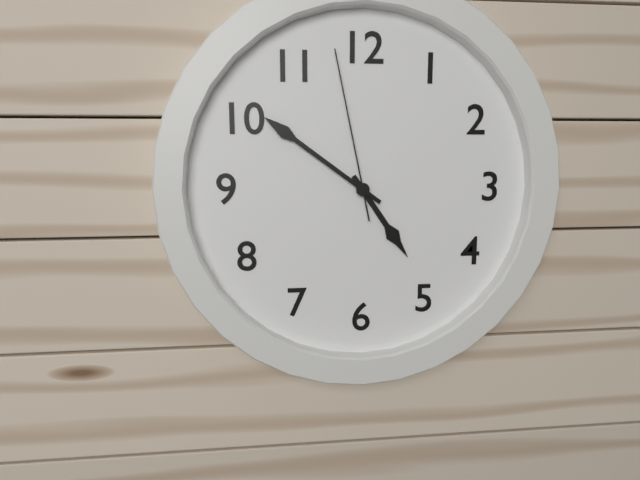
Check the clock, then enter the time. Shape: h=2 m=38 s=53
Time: h=4 m=51 s=58
